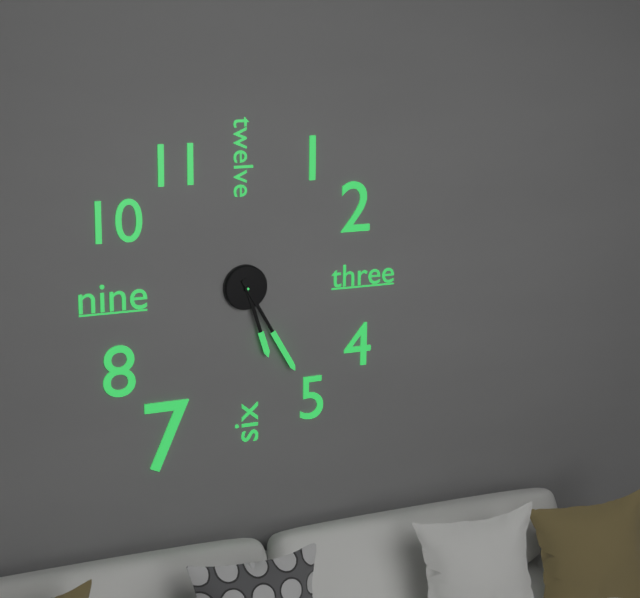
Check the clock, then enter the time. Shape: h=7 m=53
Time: h=5 m=25
